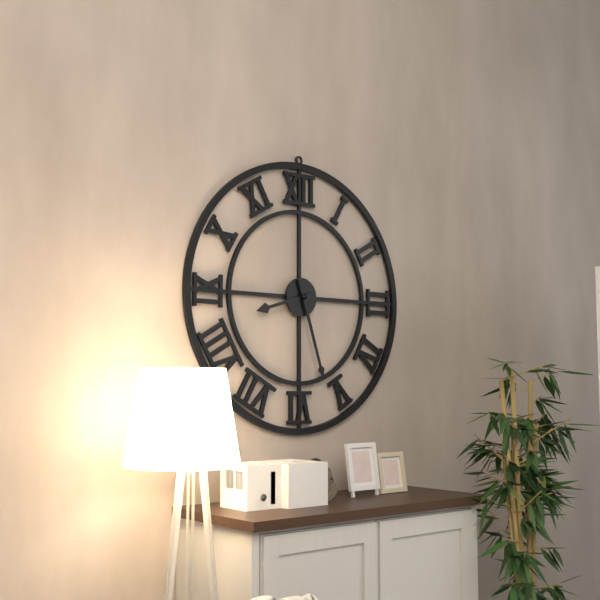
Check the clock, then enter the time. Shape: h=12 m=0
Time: h=8 m=27
